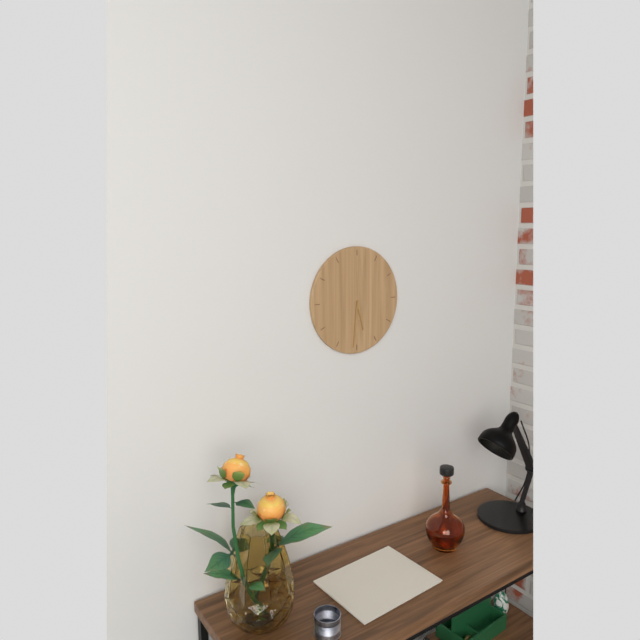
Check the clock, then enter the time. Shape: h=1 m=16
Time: h=5 m=31
